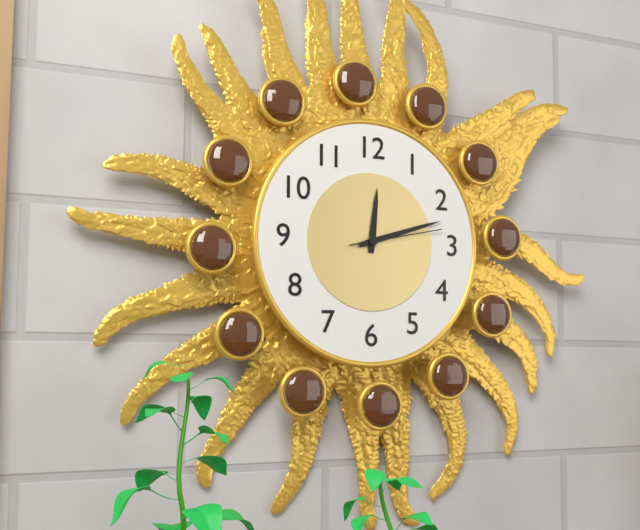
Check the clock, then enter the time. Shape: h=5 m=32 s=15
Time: h=12 m=12 s=13
